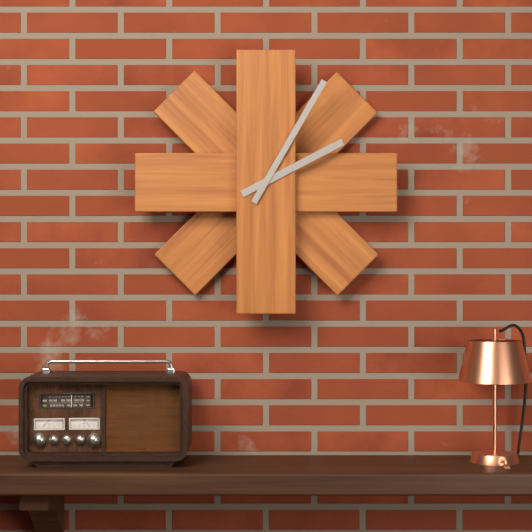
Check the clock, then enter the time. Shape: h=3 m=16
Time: h=2 m=5
